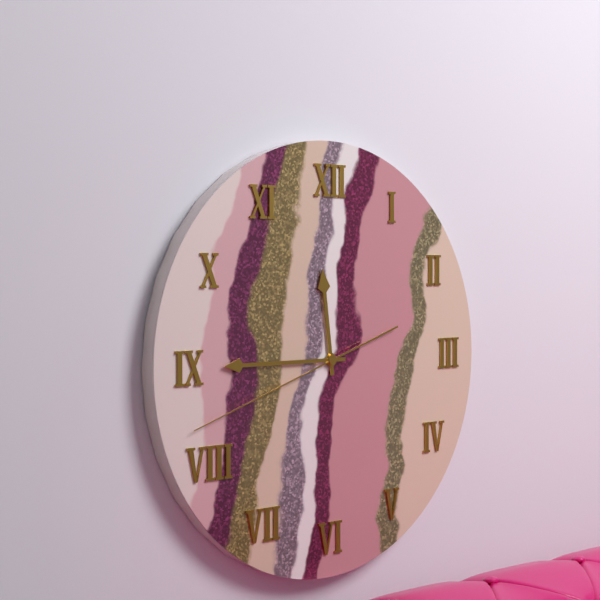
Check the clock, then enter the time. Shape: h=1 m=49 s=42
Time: h=11 m=45 s=42
